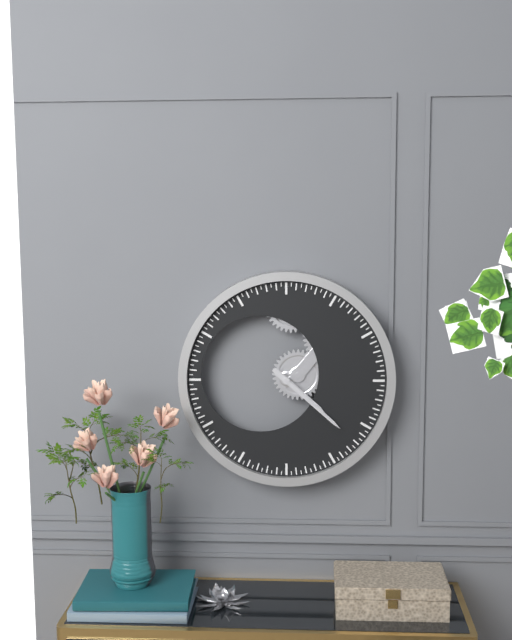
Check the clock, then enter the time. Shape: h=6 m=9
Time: h=4 m=22
